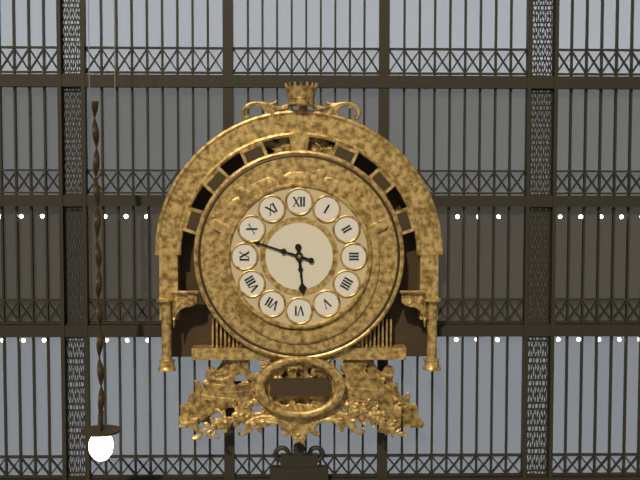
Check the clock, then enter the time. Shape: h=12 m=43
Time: h=5 m=48
